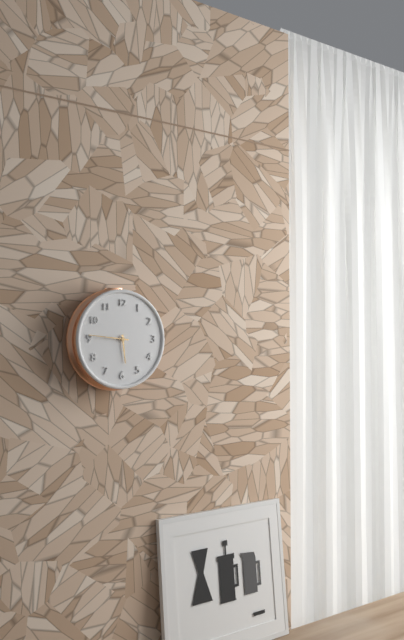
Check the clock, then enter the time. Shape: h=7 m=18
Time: h=5 m=46
